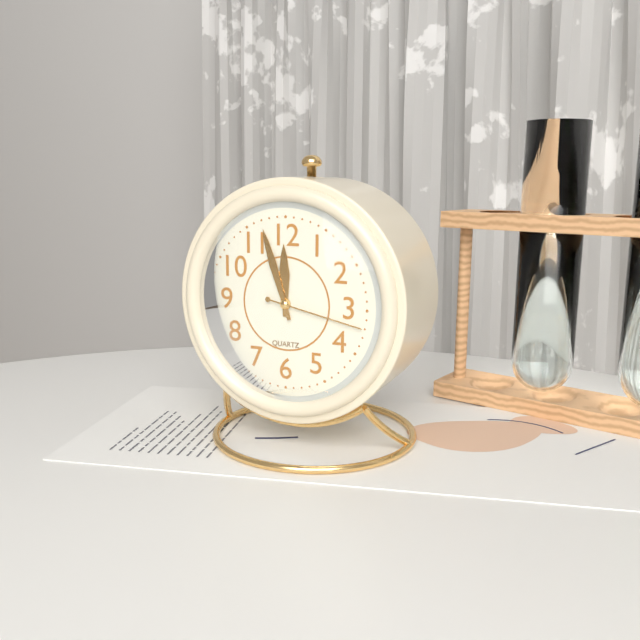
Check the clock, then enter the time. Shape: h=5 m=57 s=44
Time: h=11 m=57 s=17
